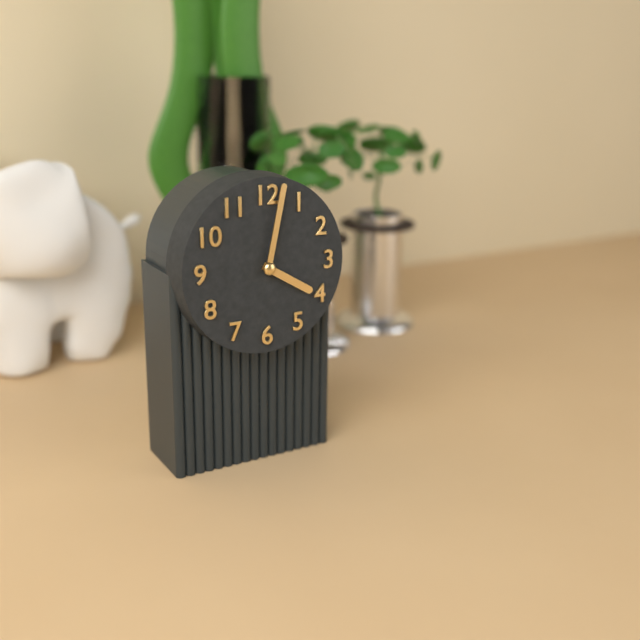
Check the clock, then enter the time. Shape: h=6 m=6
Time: h=4 m=2
